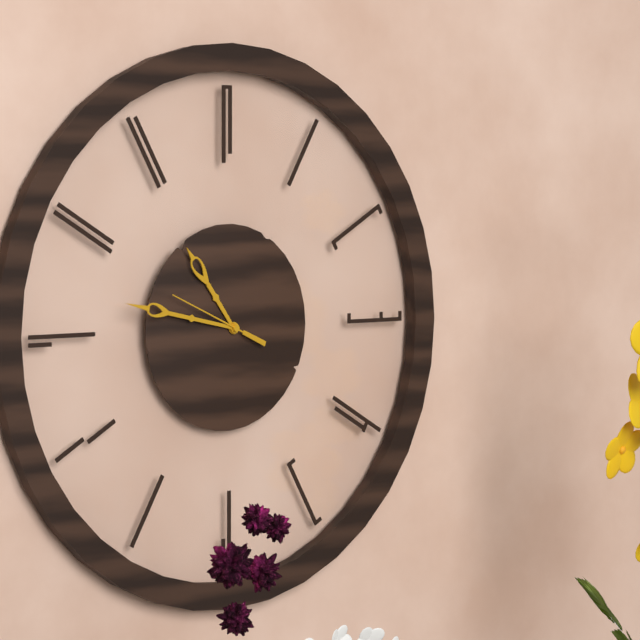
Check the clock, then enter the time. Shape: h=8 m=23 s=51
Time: h=10 m=47 s=49
